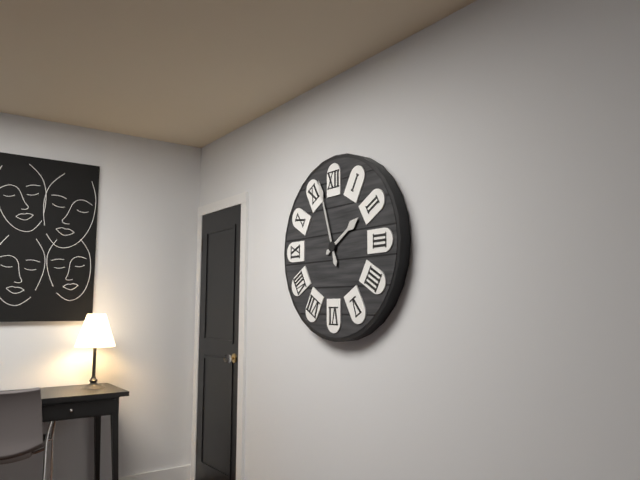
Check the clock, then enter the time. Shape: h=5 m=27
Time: h=1 m=57
